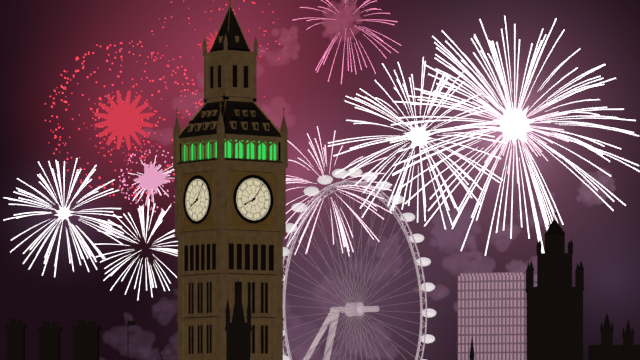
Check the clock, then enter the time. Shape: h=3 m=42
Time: h=8 m=6
